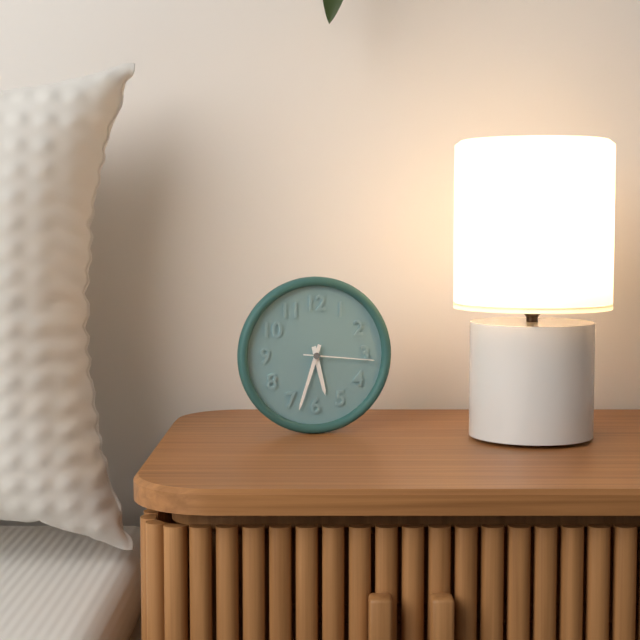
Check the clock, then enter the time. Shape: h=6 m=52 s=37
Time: h=5 m=33 s=16
